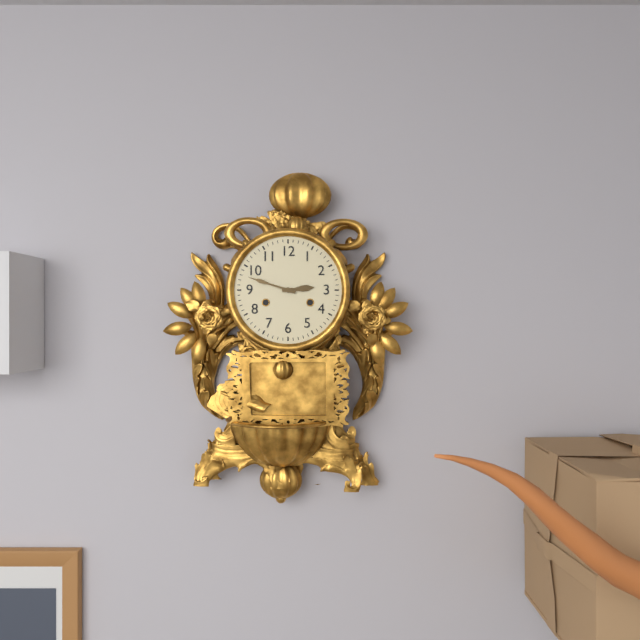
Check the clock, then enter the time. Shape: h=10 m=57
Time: h=2 m=48
